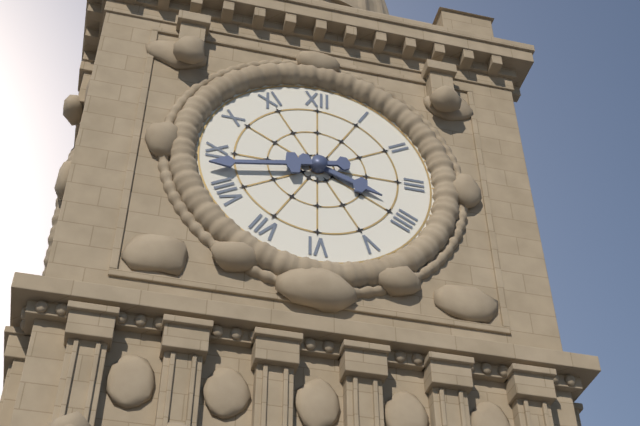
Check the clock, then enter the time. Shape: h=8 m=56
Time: h=3 m=43
